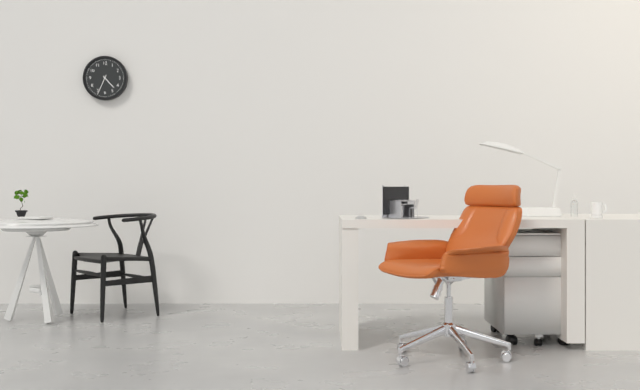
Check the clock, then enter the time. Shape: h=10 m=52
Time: h=4 m=34
